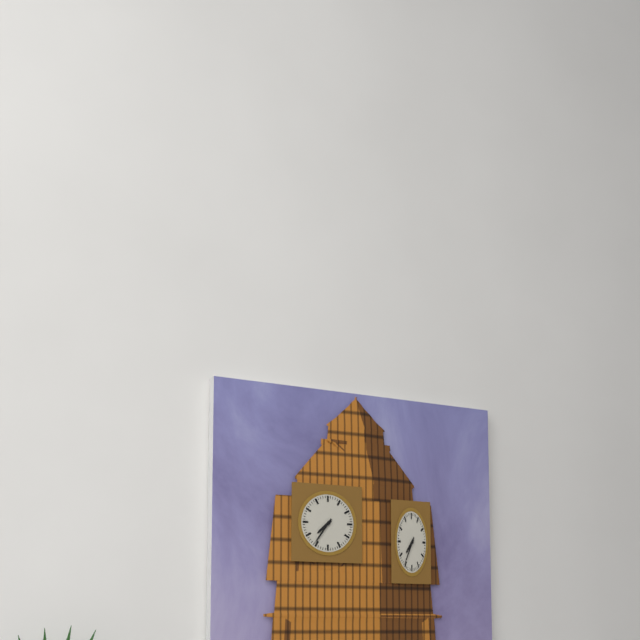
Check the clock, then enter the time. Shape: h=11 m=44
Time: h=7 m=36
